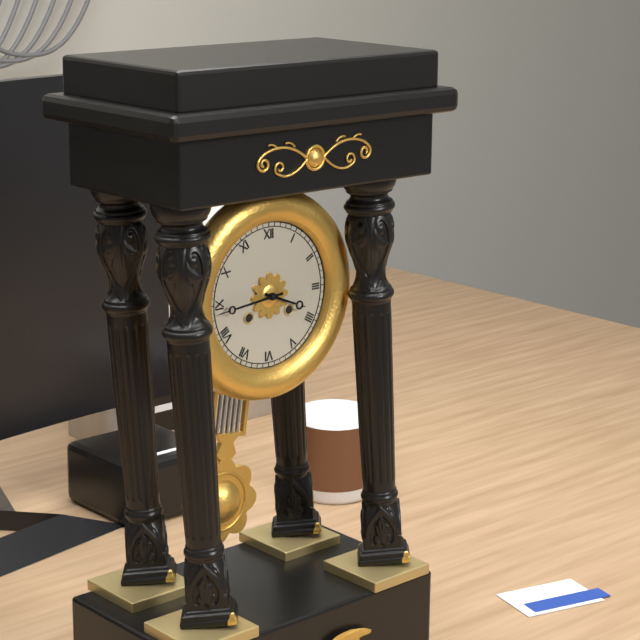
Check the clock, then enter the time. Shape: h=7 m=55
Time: h=3 m=44
